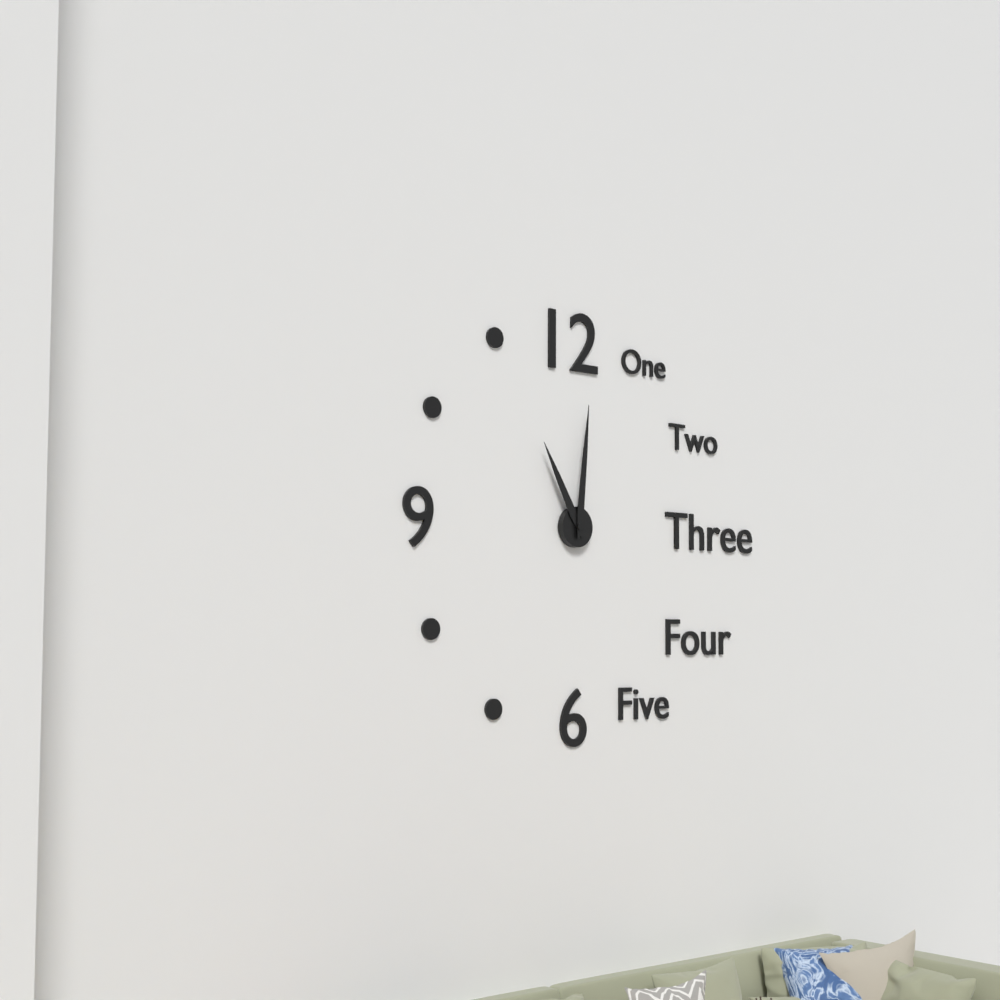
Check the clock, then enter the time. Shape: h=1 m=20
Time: h=11 m=1
